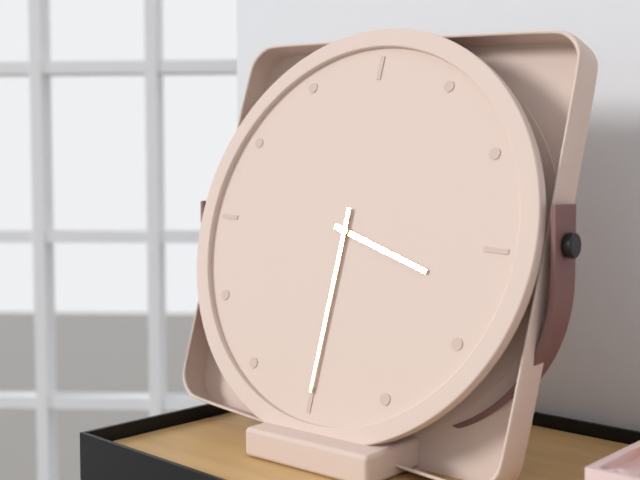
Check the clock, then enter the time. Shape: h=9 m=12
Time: h=3 m=30
